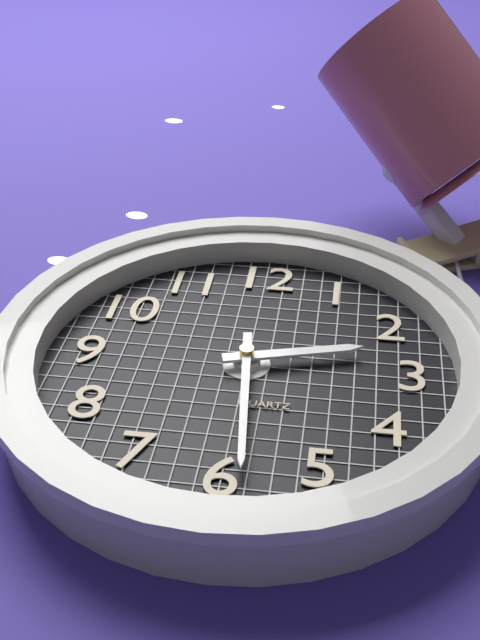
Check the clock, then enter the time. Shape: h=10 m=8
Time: h=2 m=29
